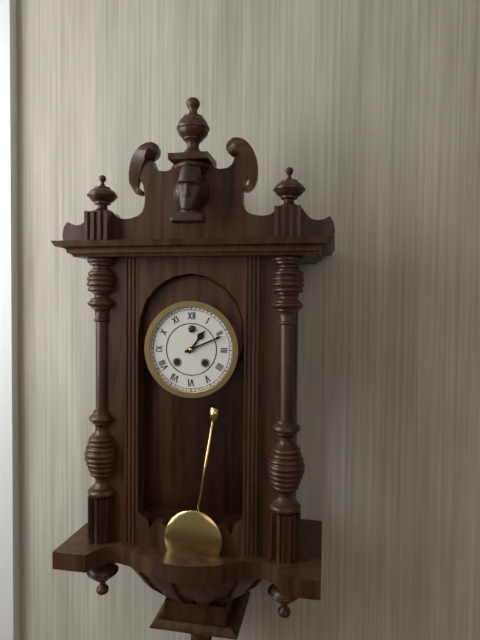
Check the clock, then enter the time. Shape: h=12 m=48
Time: h=1 m=11
